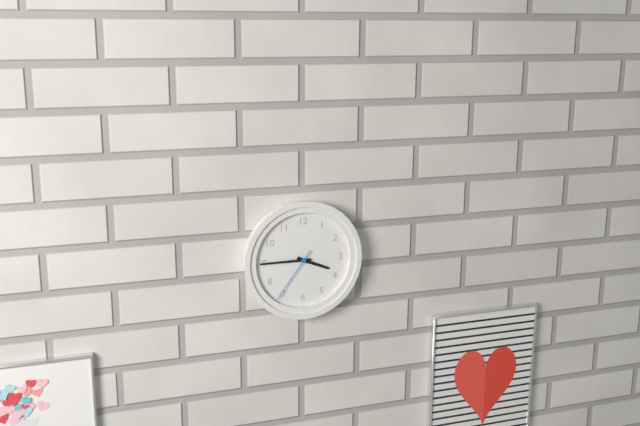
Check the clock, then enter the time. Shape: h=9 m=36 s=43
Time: h=3 m=45 s=36
